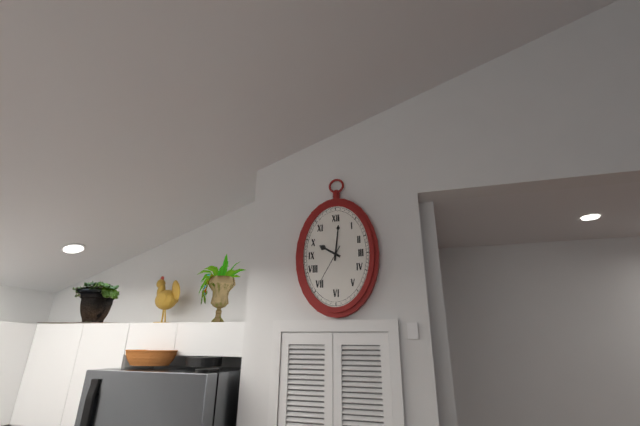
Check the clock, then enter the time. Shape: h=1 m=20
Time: h=10 m=1
